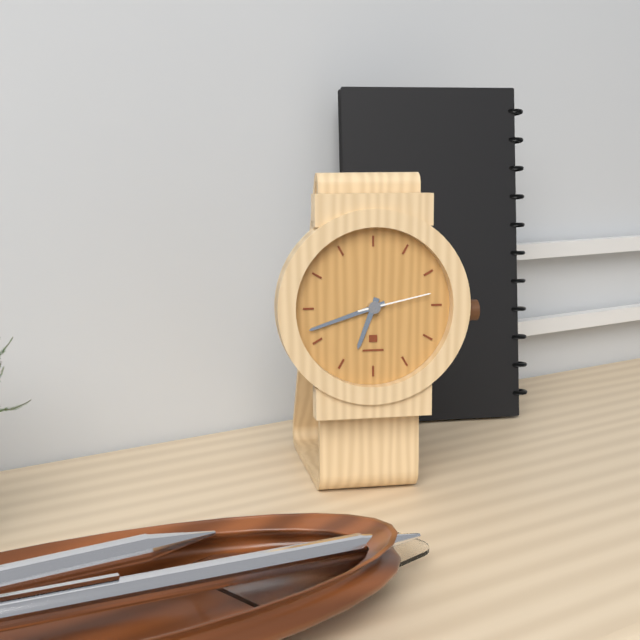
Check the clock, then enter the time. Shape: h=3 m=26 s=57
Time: h=6 m=42 s=13
